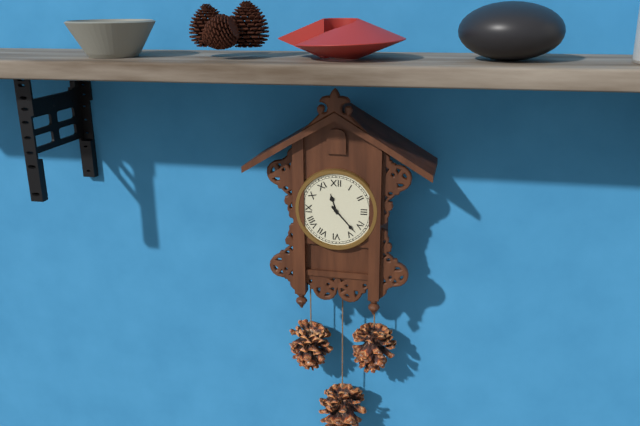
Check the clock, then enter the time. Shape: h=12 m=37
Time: h=11 m=23
